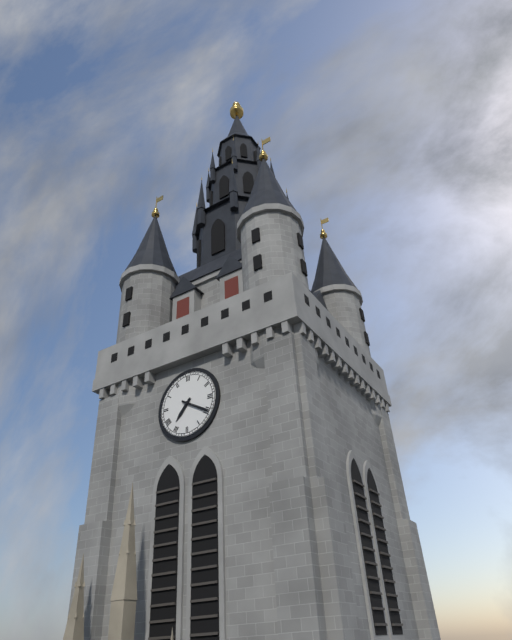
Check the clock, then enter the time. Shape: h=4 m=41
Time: h=7 m=20
